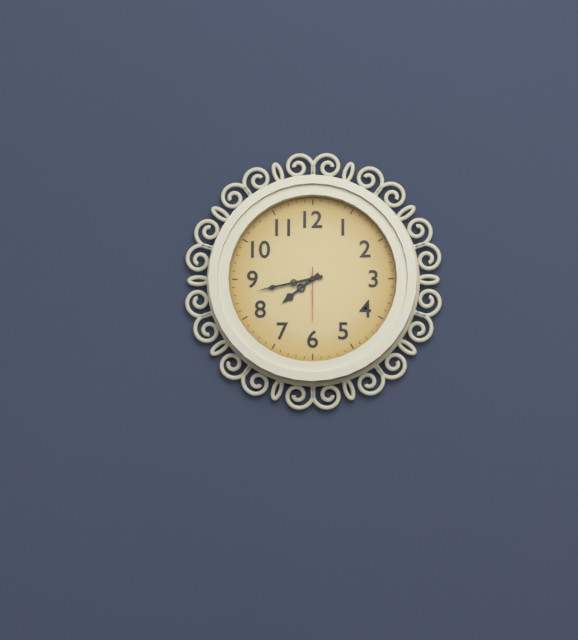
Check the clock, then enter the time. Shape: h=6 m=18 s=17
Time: h=7 m=43 s=30
